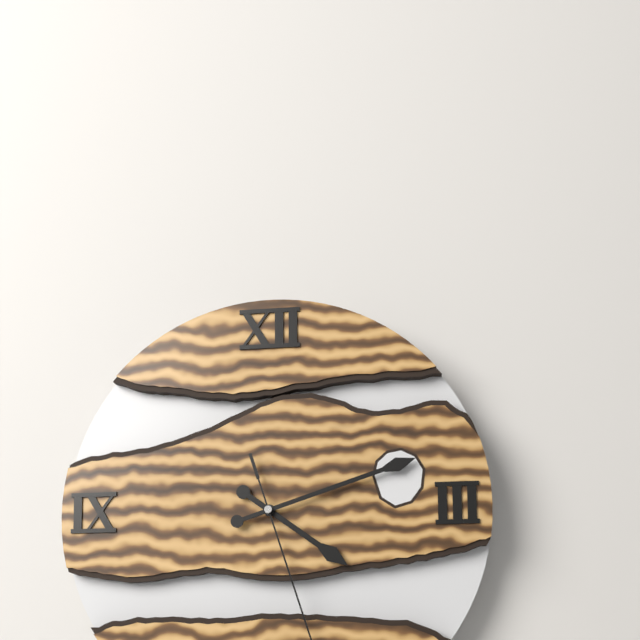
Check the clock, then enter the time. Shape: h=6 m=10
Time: h=4 m=12
